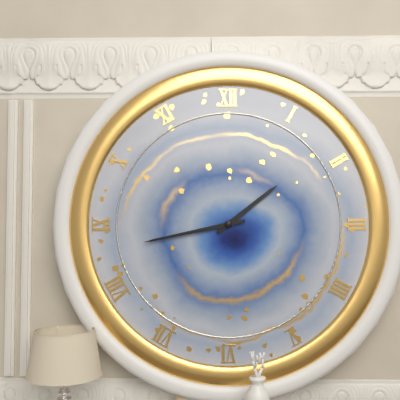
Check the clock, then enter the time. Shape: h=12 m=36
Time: h=1 m=43
